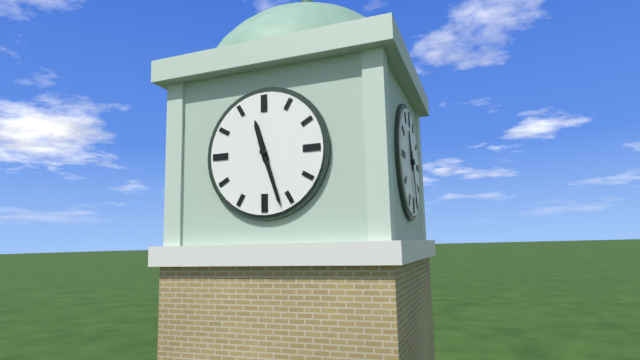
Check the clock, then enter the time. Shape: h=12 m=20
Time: h=11 m=27
